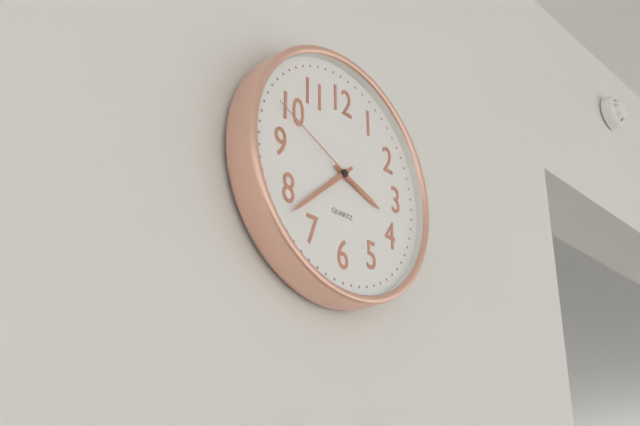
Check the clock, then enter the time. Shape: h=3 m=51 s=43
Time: h=3 m=38 s=49
